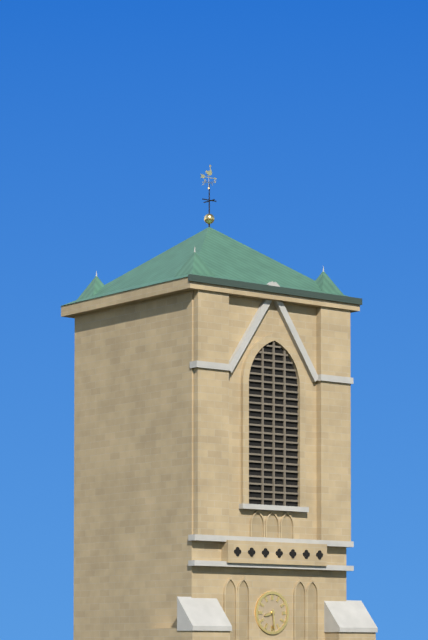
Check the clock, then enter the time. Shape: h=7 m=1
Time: h=8 m=29
